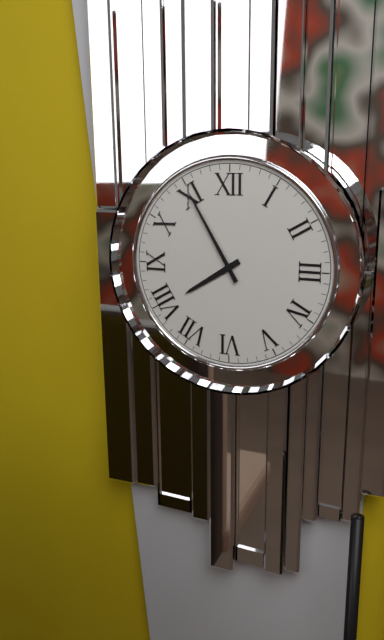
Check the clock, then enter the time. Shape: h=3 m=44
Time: h=7 m=55
